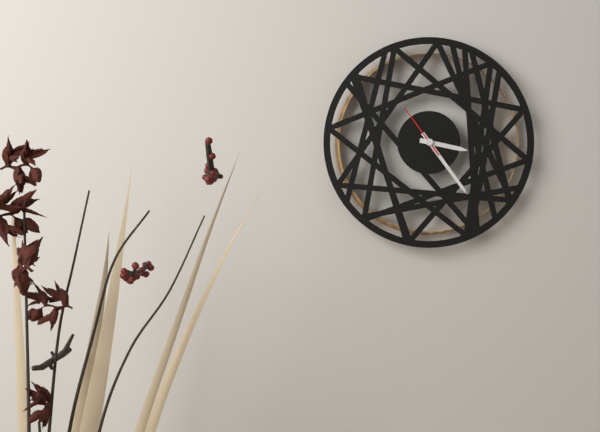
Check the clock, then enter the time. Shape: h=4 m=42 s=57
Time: h=3 m=24 s=54
